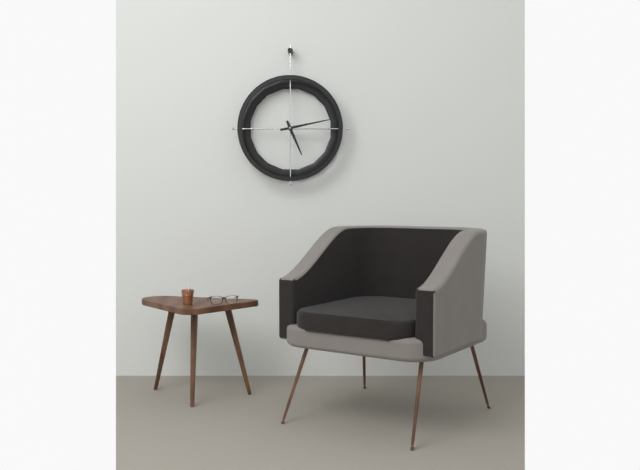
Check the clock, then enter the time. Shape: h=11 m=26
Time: h=5 m=13
